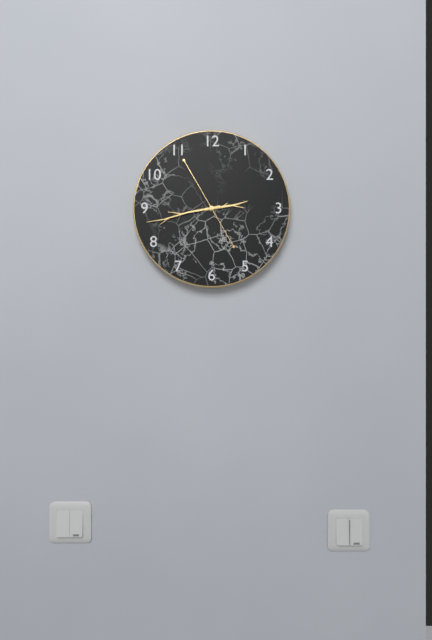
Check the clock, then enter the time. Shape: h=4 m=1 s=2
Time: h=2 m=43 s=55
